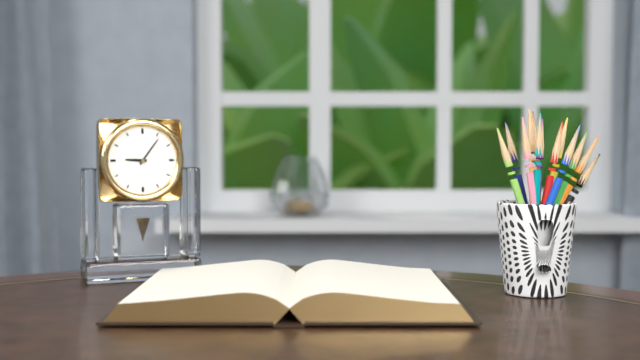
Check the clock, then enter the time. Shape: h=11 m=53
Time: h=9 m=6
